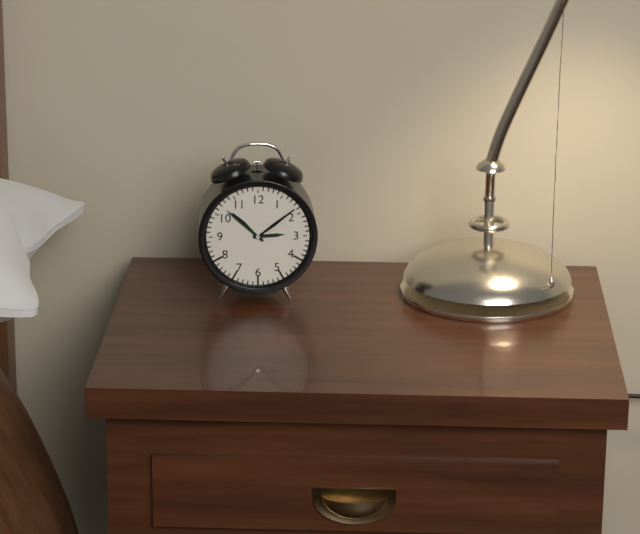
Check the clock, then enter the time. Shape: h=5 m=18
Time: h=2 m=52
